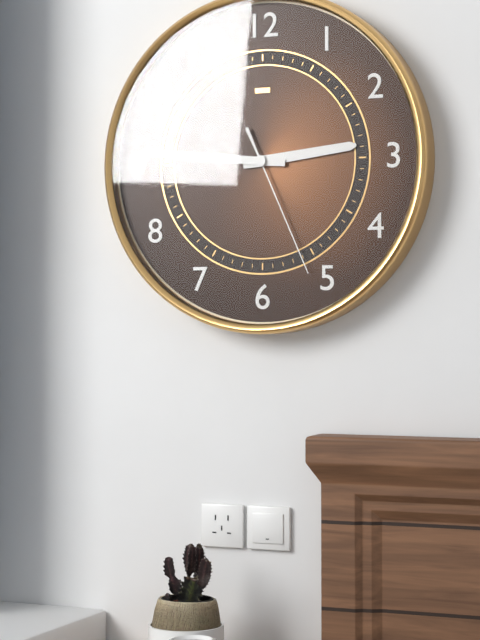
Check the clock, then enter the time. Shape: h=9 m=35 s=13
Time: h=2 m=46 s=26
